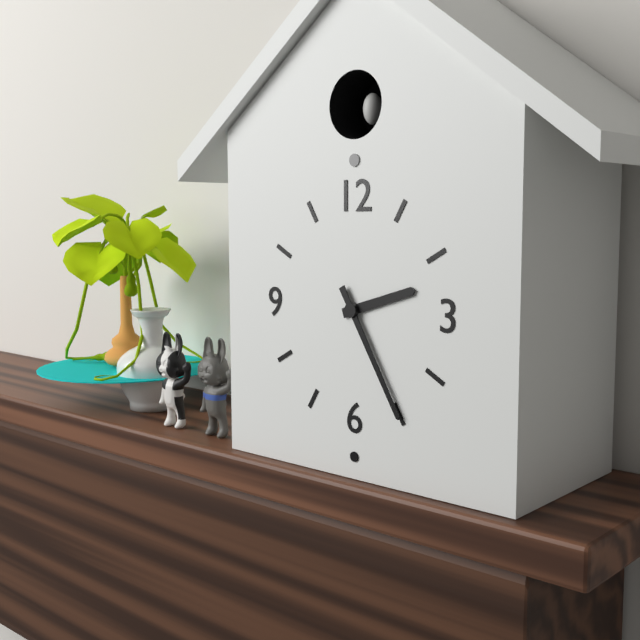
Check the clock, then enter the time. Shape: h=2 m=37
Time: h=2 m=25
